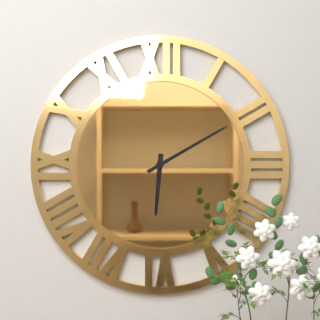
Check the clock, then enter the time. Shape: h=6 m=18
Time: h=6 m=10
